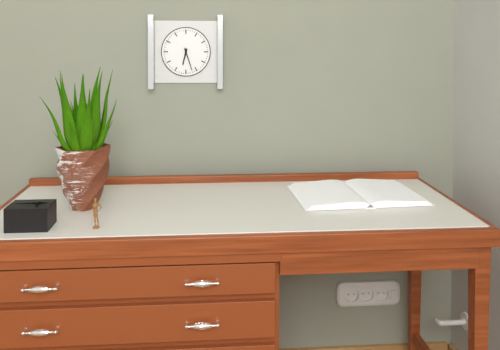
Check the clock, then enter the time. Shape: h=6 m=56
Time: h=6 m=27
